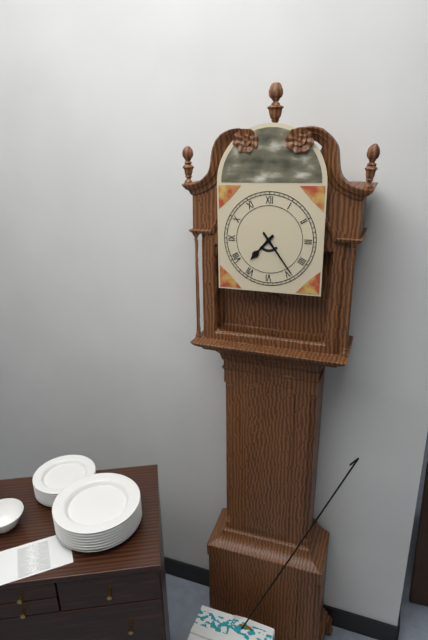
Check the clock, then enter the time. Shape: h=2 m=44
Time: h=7 m=24
